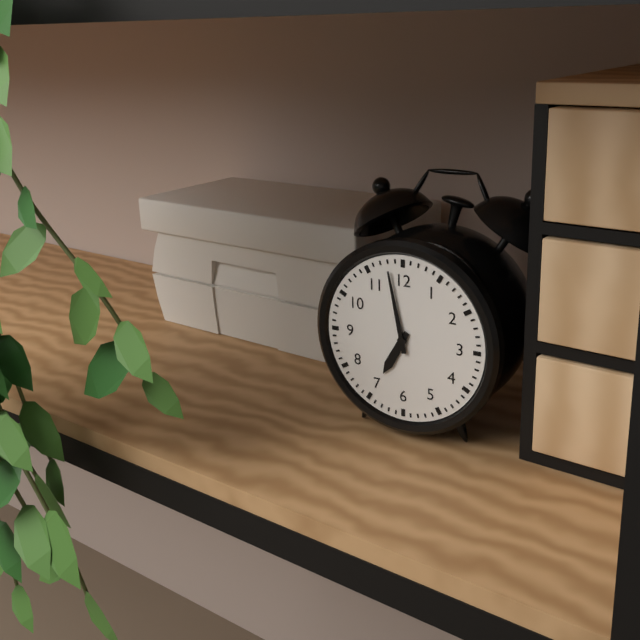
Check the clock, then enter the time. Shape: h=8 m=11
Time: h=6 m=58
